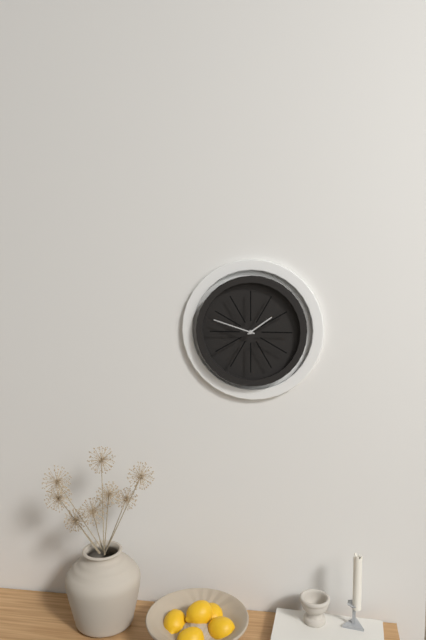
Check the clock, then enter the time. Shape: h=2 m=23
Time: h=1 m=48
